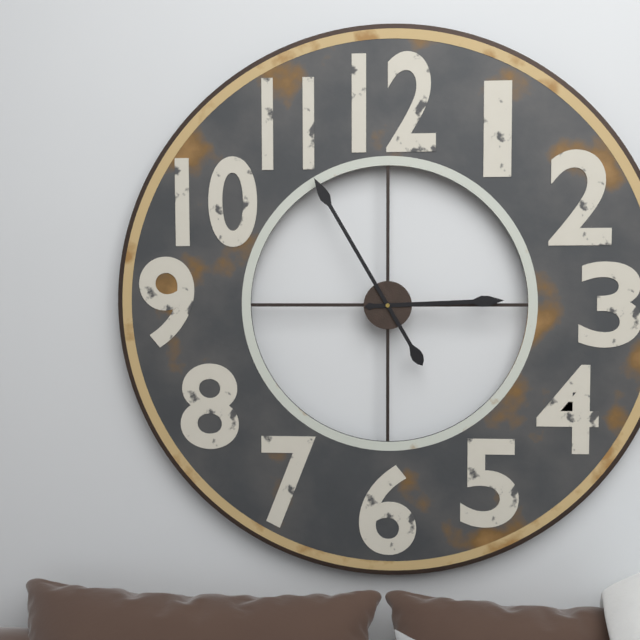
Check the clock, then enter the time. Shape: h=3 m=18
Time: h=2 m=55
